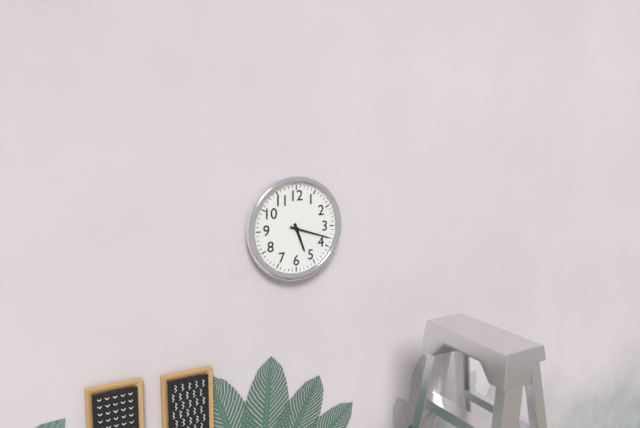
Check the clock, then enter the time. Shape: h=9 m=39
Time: h=5 m=18
